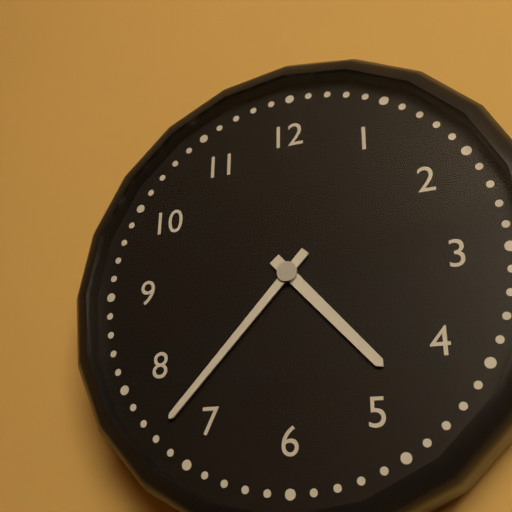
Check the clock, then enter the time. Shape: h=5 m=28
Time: h=4 m=37
